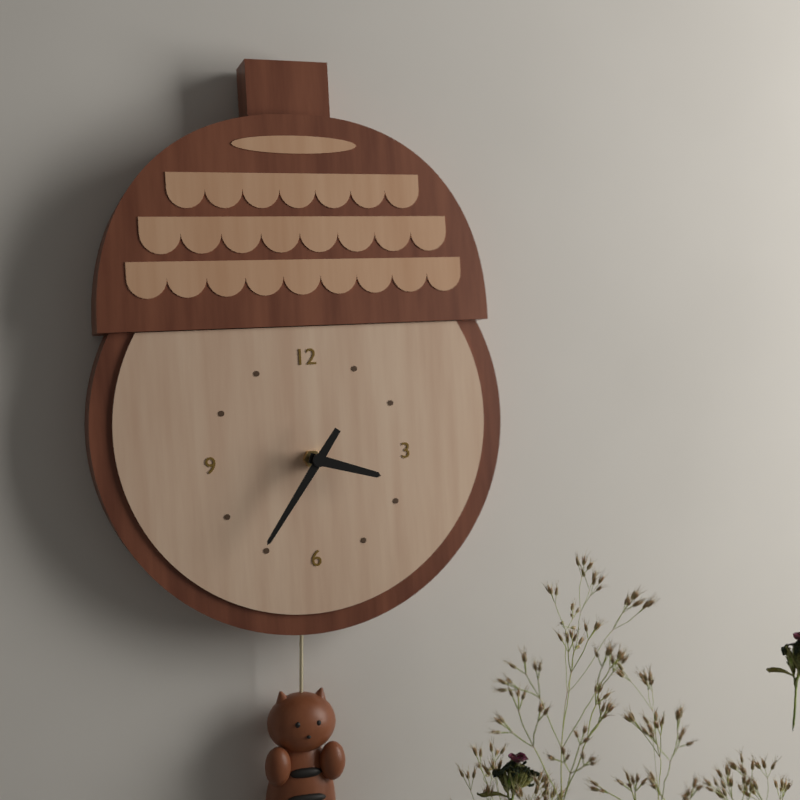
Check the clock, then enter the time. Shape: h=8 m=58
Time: h=3 m=36
